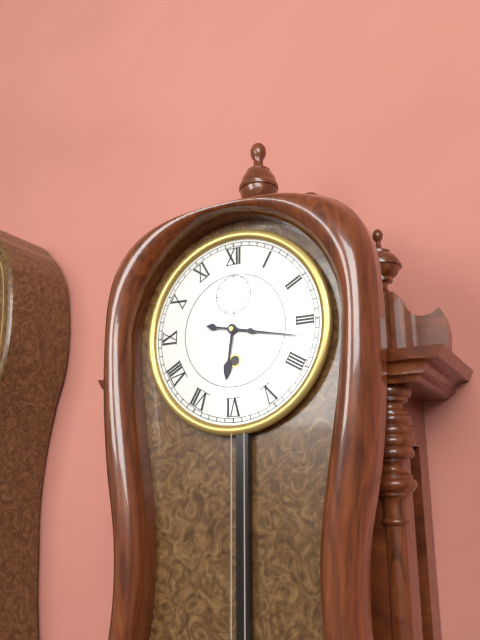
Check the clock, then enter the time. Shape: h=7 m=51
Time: h=6 m=17
